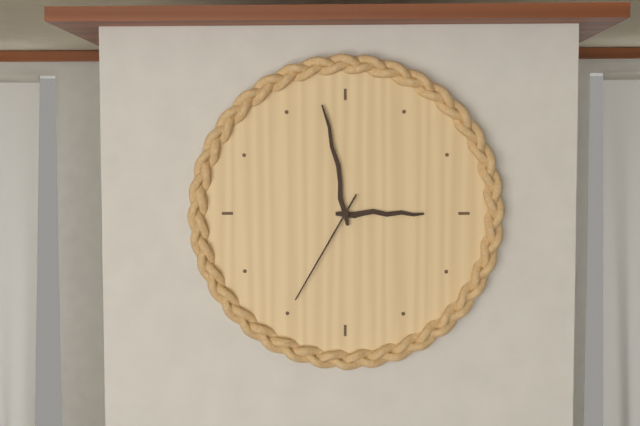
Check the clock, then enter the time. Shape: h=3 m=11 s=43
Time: h=2 m=58 s=35
